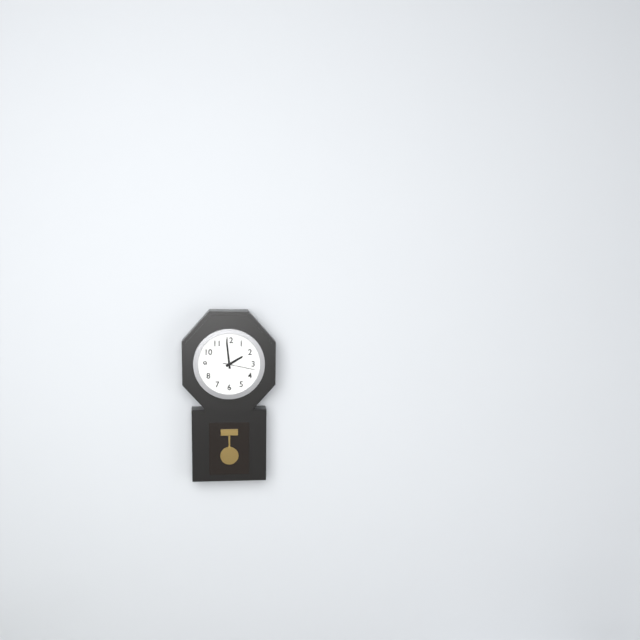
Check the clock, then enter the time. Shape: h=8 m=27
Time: h=1 m=59
